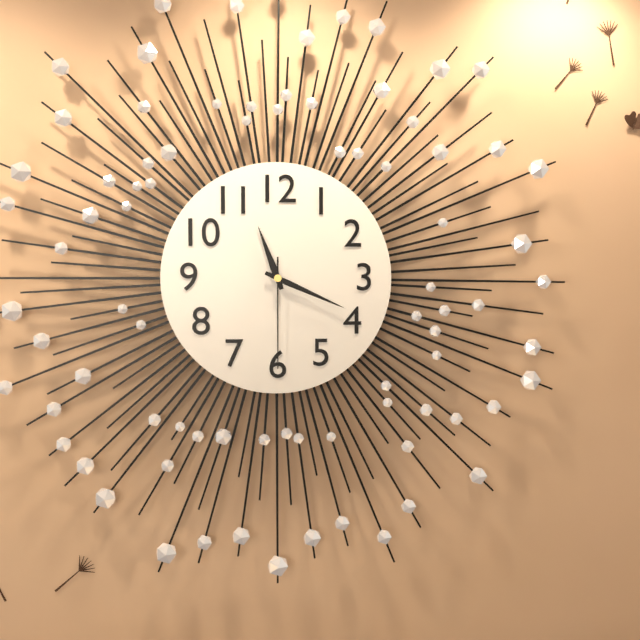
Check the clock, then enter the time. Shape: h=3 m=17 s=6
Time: h=11 m=19 s=30
